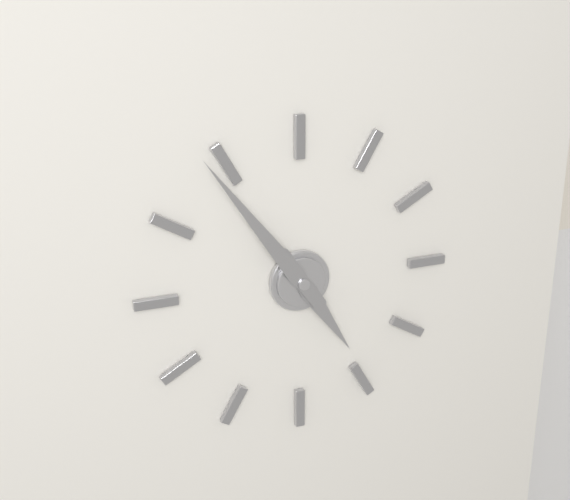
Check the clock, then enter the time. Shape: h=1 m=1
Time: h=4 m=54
